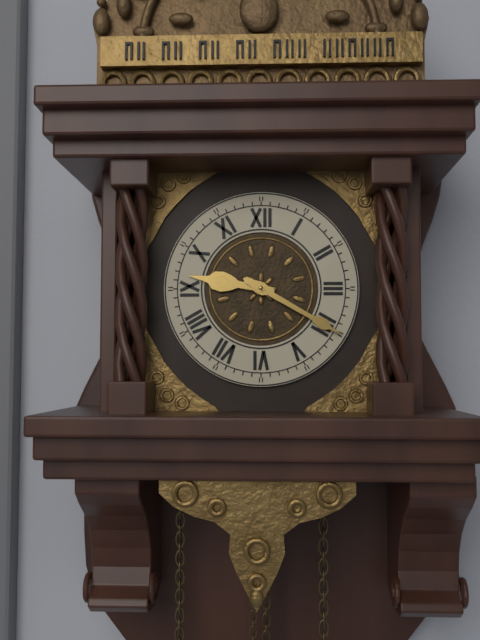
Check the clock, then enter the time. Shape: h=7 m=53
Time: h=9 m=20
